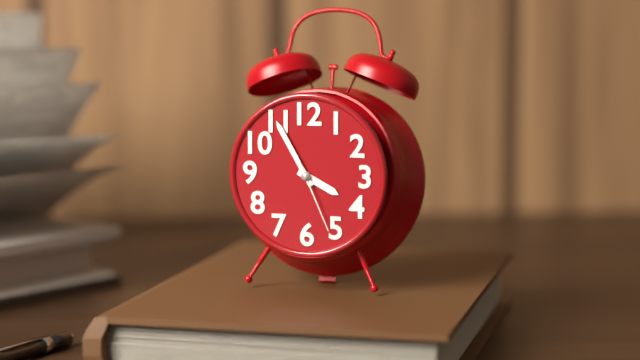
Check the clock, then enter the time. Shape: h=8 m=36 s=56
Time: h=3 m=55 s=26
